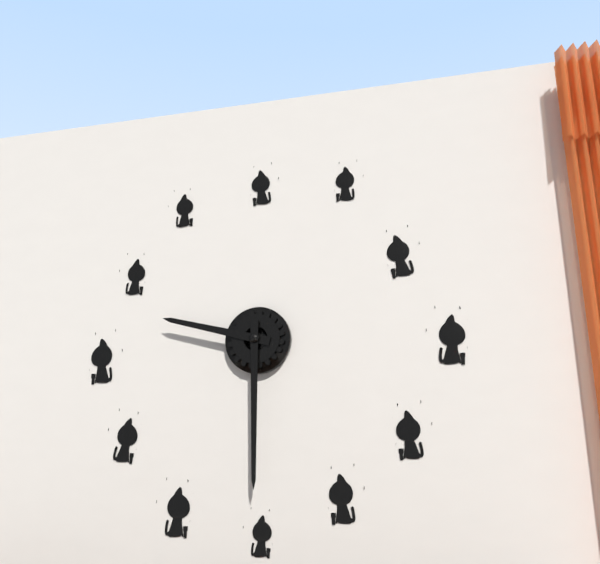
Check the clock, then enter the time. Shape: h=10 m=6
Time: h=9 m=30
